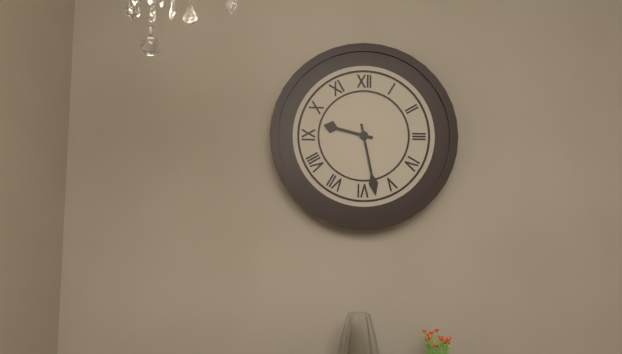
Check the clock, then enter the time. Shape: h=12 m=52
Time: h=9 m=28
